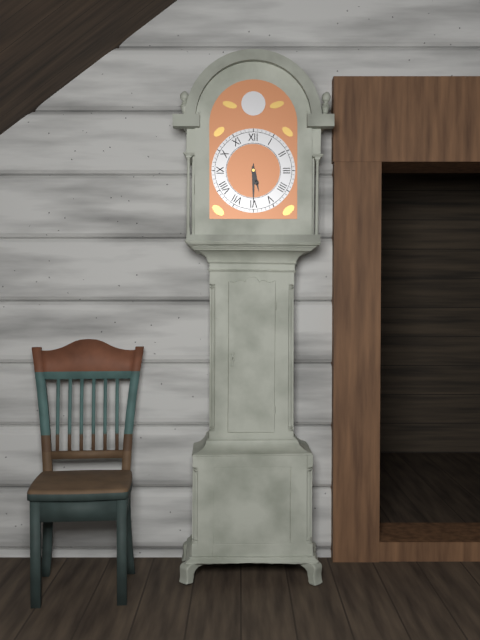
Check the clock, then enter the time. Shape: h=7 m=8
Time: h=5 m=30
